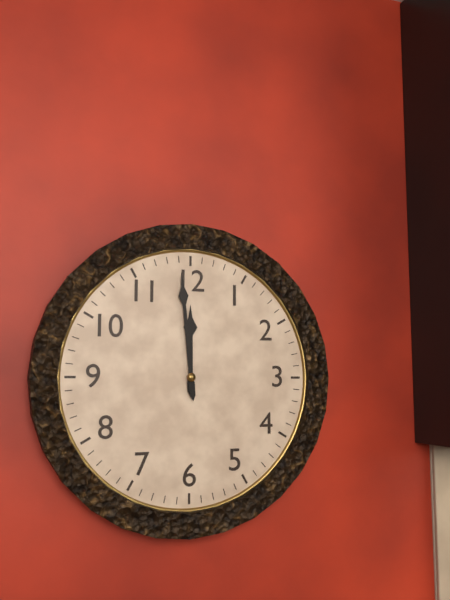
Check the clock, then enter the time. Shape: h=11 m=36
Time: h=11 m=59
